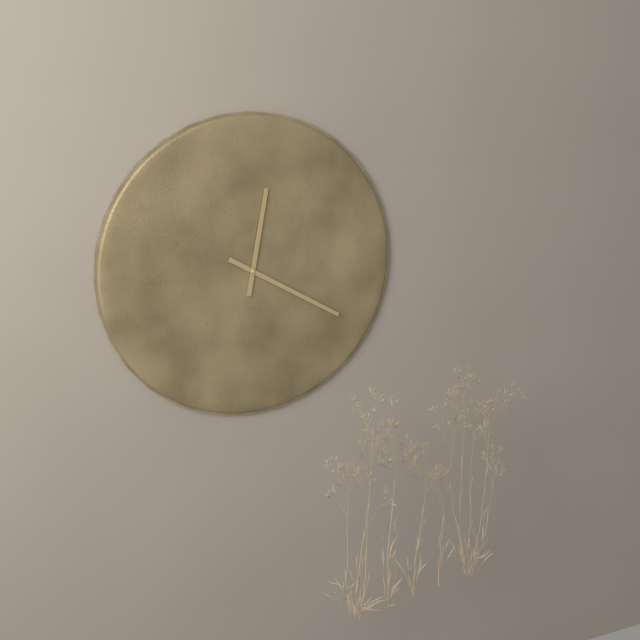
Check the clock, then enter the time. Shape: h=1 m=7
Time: h=12 m=20
